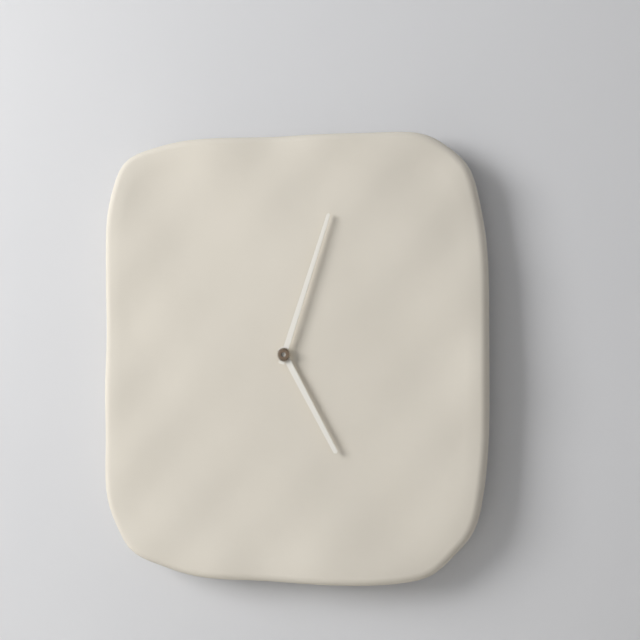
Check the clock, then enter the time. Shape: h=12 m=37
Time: h=5 m=3
